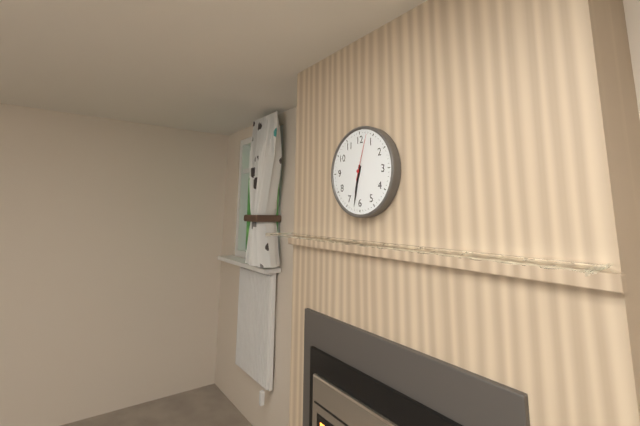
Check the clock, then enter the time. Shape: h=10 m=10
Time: h=6 m=32
